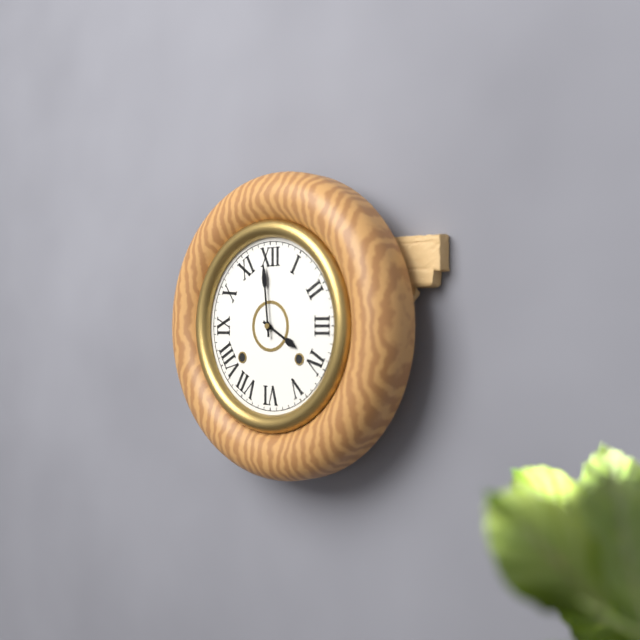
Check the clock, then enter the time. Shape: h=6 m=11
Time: h=3 m=59
